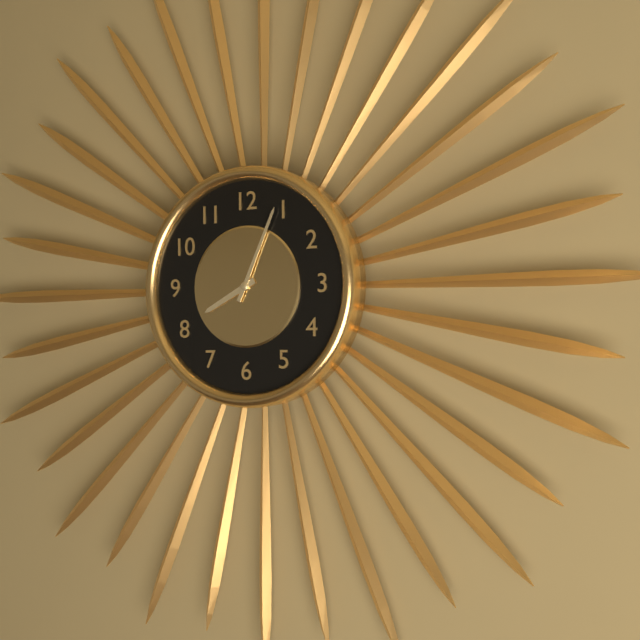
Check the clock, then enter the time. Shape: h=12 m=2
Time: h=8 m=4
